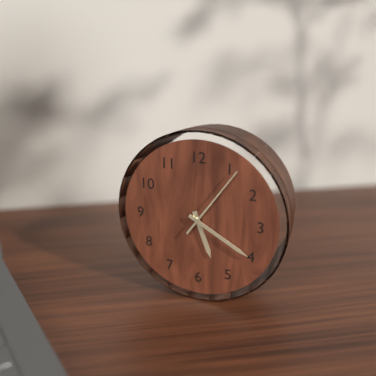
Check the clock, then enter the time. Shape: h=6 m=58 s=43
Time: h=5 m=20 s=6
